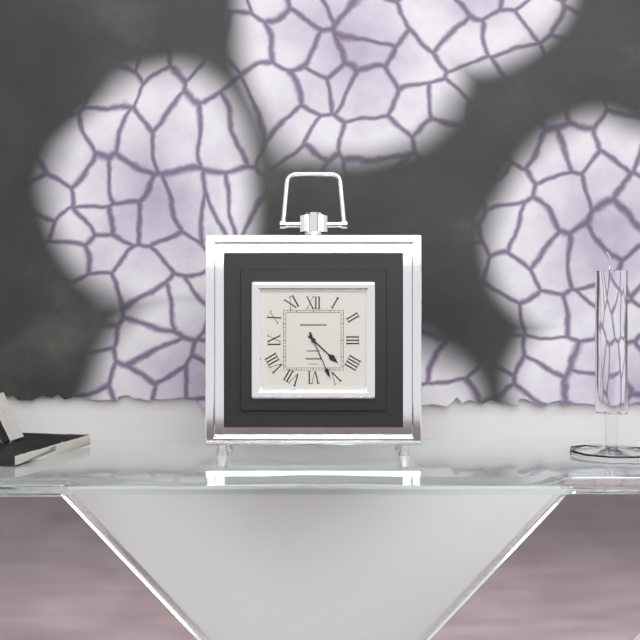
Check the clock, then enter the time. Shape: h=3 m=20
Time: h=4 m=26
